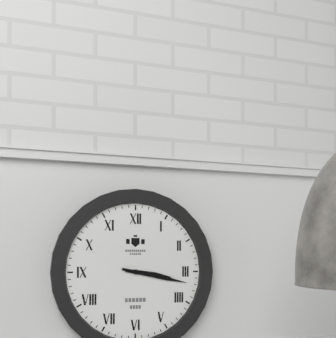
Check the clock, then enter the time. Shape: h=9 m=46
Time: h=3 m=17
